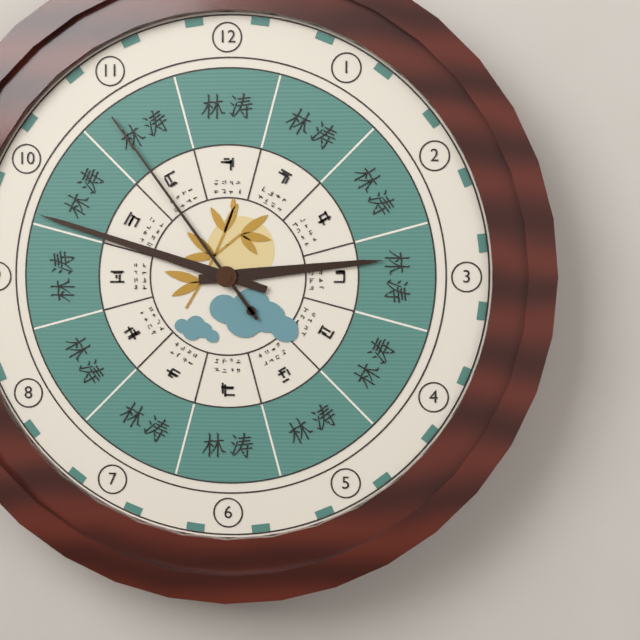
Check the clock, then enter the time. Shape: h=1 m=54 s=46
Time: h=2 m=48 s=54
